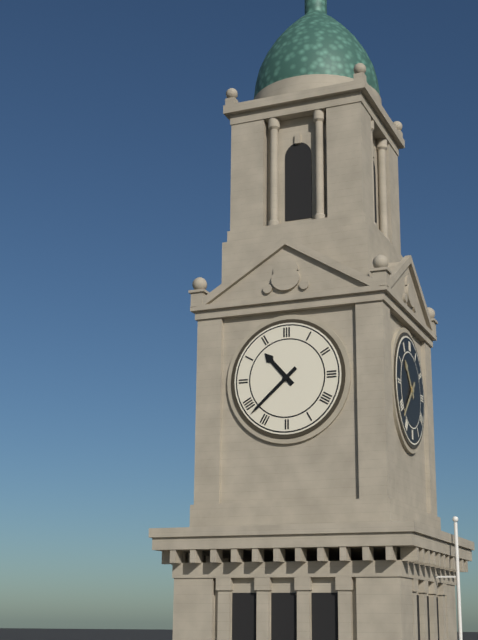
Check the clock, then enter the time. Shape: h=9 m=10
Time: h=10 m=38
